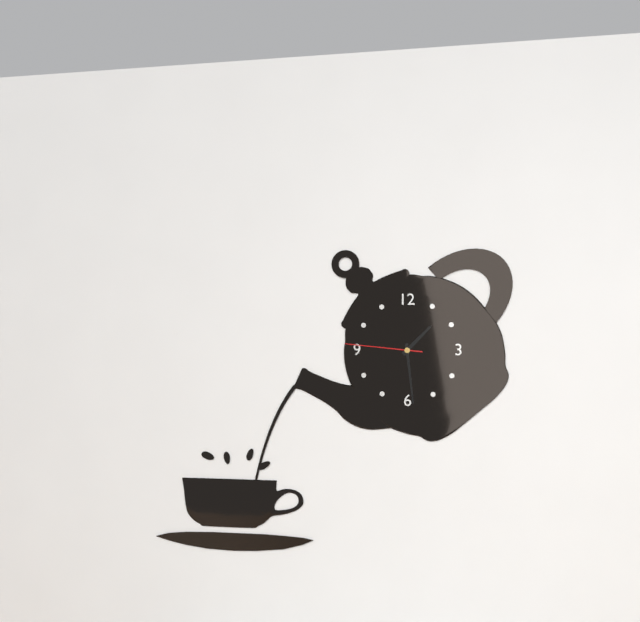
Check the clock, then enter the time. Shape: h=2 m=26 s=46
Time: h=1 m=29 s=46
